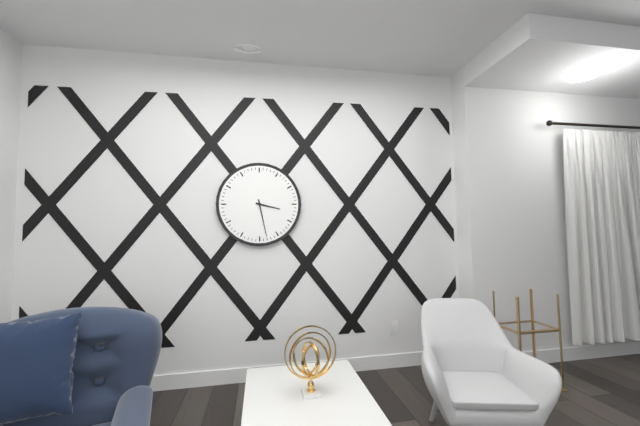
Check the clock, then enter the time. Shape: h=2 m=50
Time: h=3 m=28
